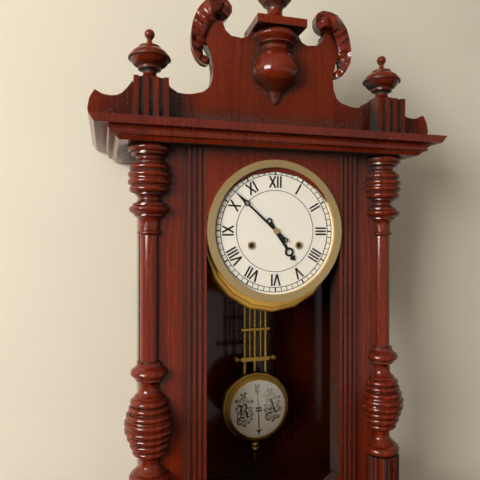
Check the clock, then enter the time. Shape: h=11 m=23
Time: h=4 m=52
